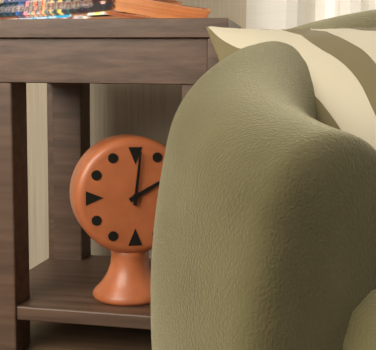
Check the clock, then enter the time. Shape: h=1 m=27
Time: h=2 m=1
